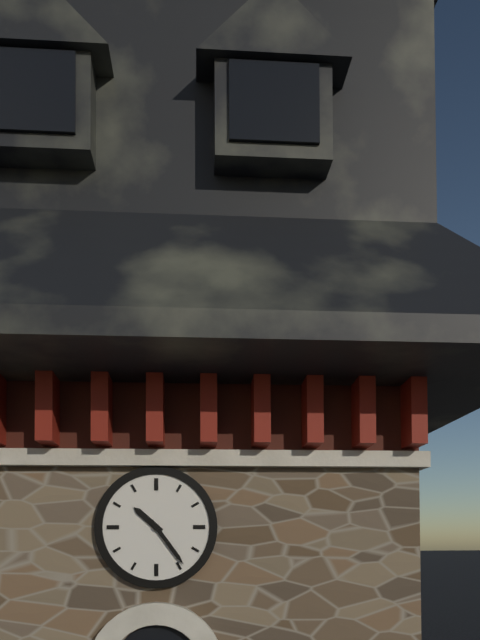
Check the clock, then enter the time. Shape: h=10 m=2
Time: h=10 m=24
